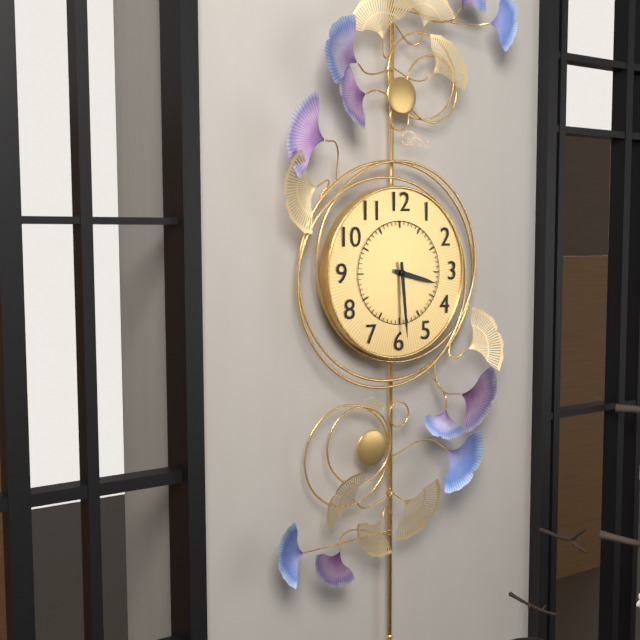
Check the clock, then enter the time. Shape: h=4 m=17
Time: h=3 m=29
